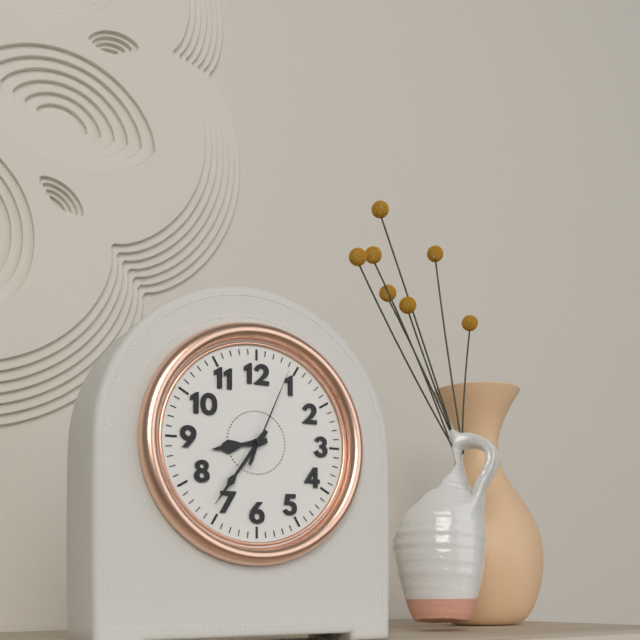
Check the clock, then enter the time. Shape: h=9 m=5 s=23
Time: h=8 m=36 s=4
